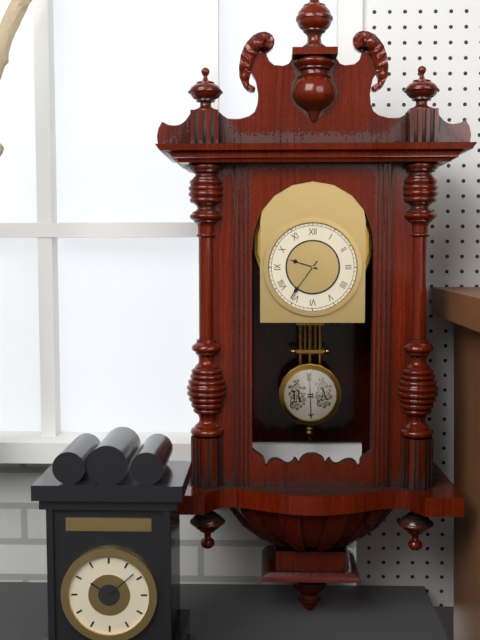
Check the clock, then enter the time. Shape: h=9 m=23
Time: h=9 m=36
